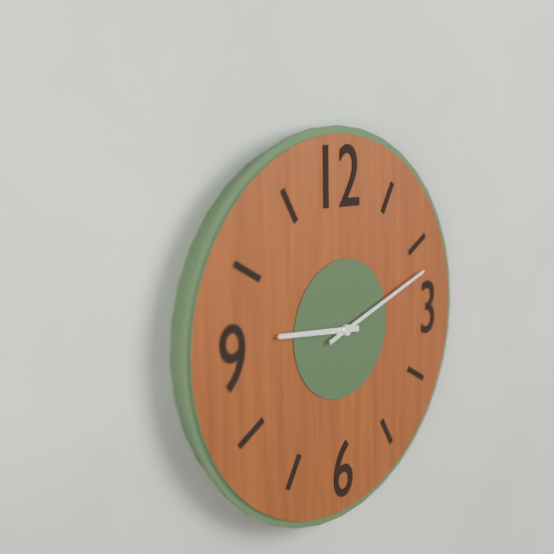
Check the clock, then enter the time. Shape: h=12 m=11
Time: h=9 m=12
